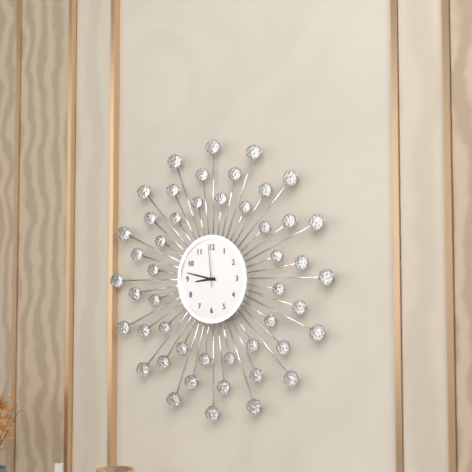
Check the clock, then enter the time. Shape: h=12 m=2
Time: h=8 m=47
